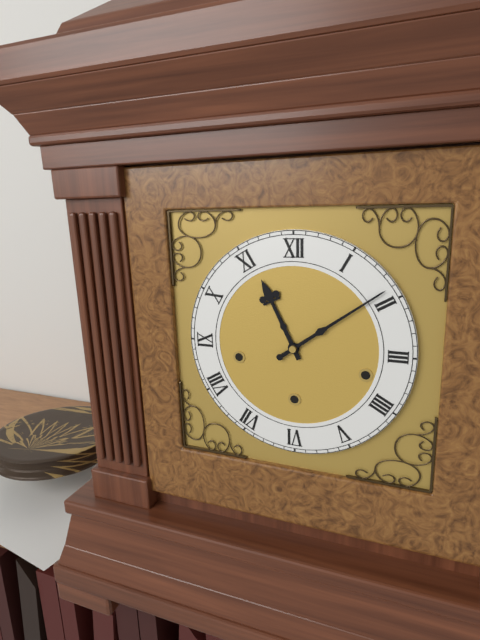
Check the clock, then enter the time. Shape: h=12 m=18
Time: h=11 m=9
